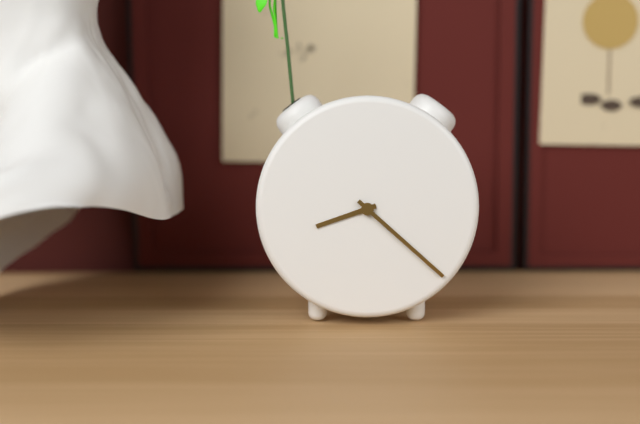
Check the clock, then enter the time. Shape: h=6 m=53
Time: h=8 m=22
